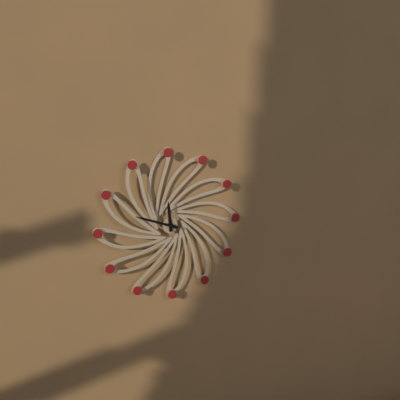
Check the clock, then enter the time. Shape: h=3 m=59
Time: h=11 m=48
